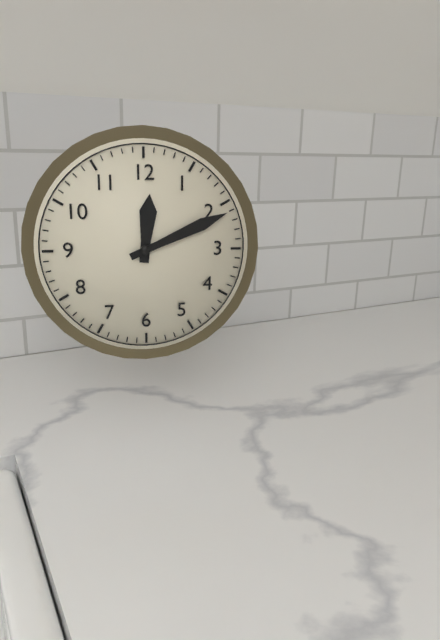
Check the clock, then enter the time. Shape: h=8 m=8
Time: h=12 m=11
